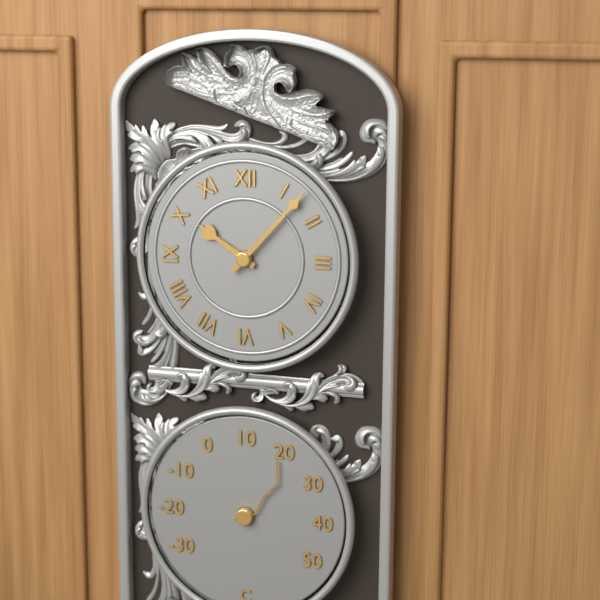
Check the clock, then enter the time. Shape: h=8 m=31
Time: h=10 m=7
